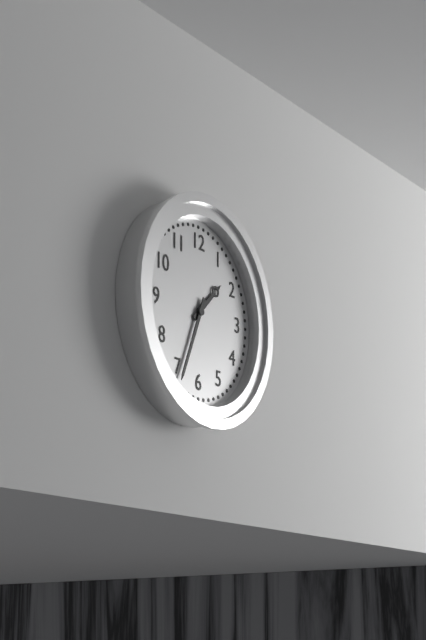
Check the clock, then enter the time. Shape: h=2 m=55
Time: h=1 m=34
